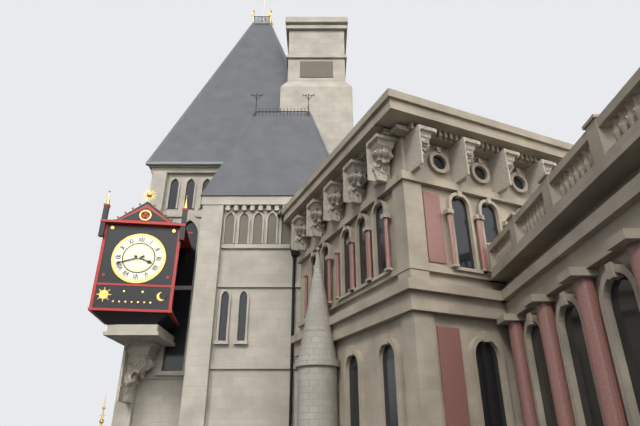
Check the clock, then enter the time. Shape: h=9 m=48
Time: h=3 m=42
